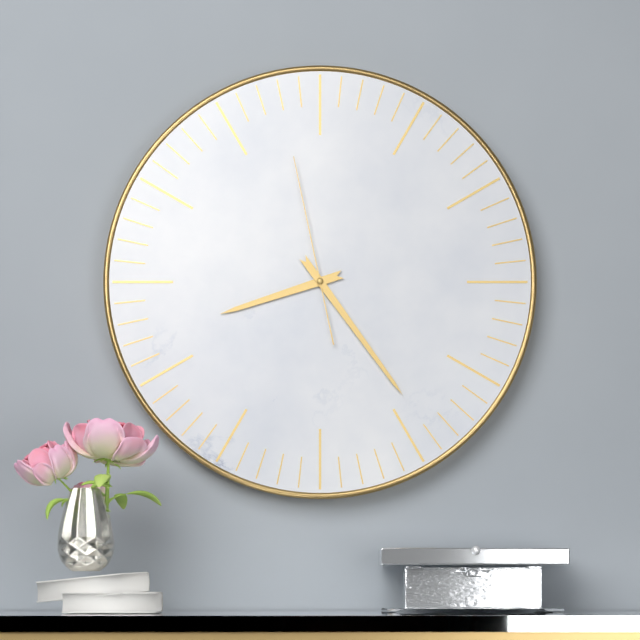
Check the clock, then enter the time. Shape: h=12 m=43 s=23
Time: h=8 m=24 s=58
